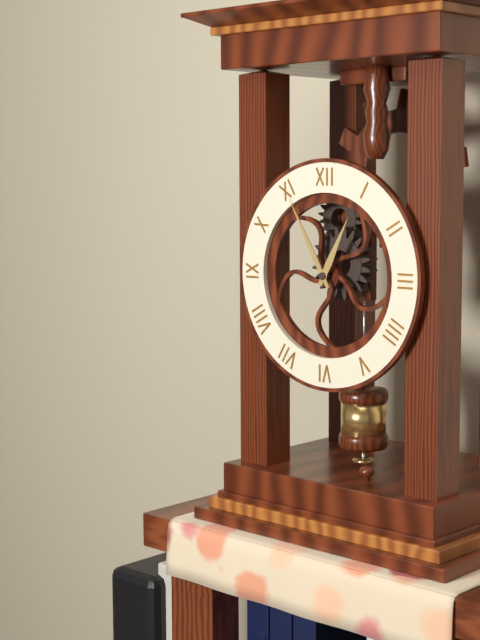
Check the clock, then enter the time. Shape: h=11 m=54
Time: h=12 m=55
